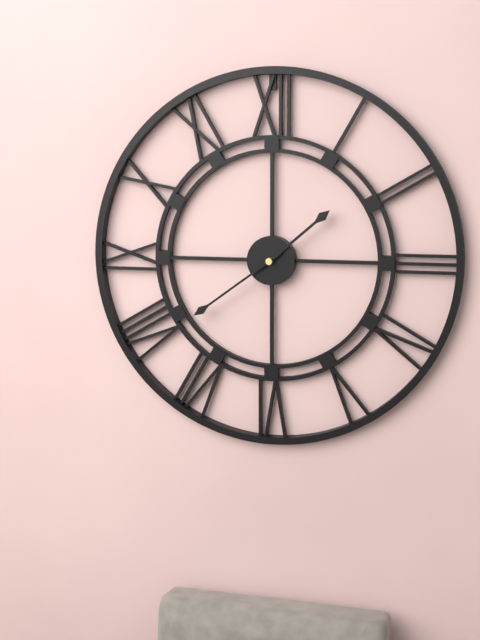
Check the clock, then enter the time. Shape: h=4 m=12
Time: h=1 m=39
